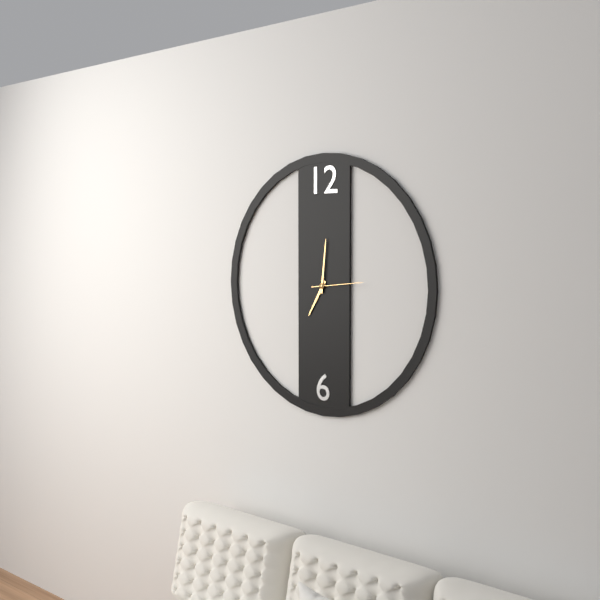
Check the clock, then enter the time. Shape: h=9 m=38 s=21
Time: h=7 m=1 s=14
